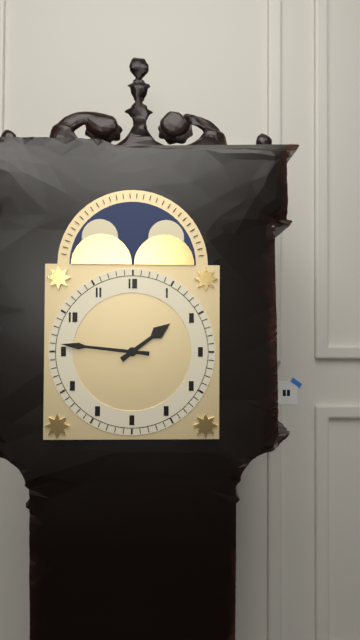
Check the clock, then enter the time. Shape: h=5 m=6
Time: h=1 m=46
